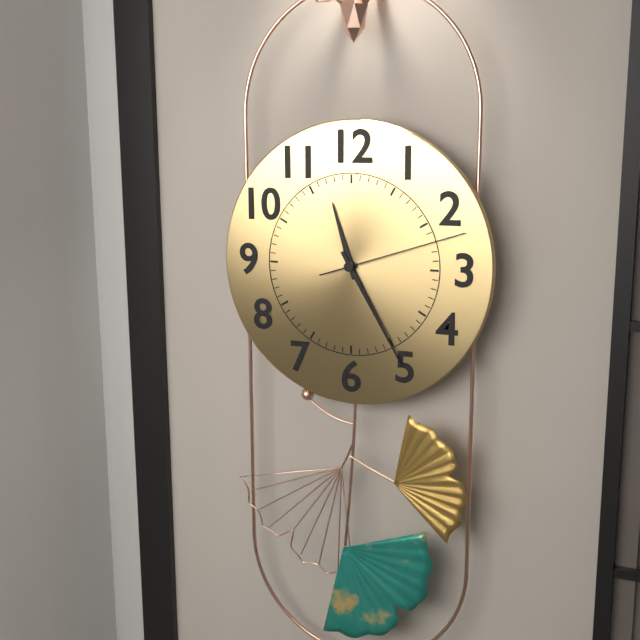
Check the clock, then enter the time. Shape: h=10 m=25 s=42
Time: h=11 m=25 s=12
